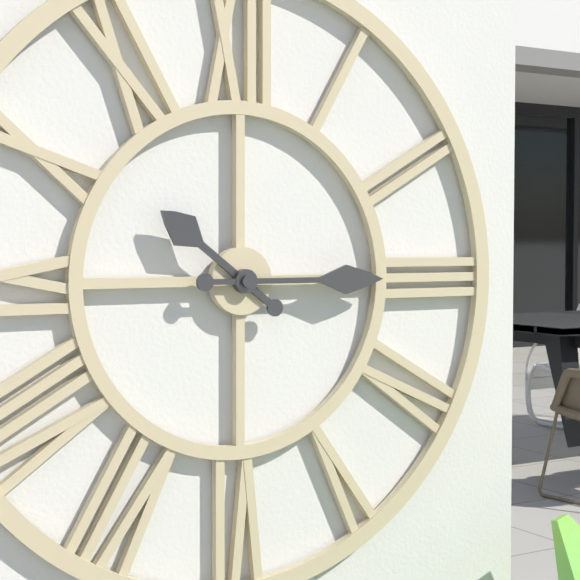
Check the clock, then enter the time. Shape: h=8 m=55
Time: h=10 m=15
